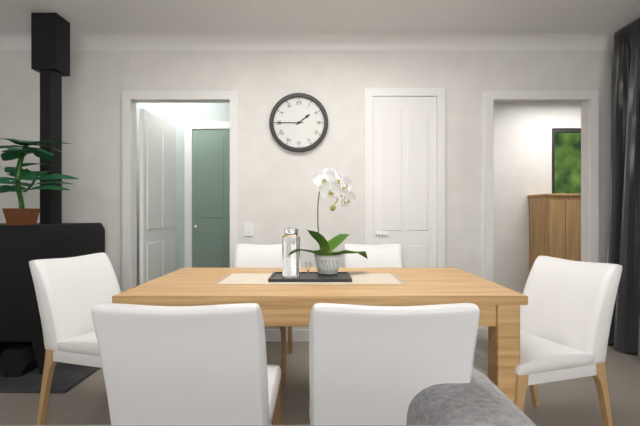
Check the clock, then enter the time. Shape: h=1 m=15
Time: h=1 m=45
